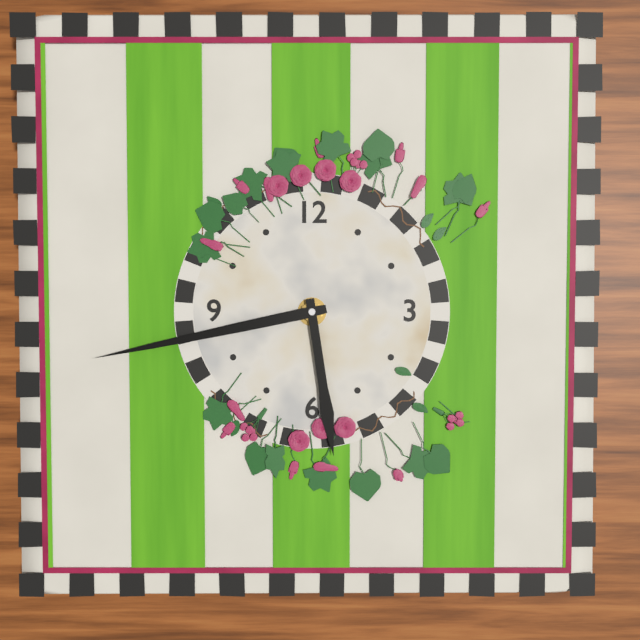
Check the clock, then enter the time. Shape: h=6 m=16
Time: h=5 m=43
